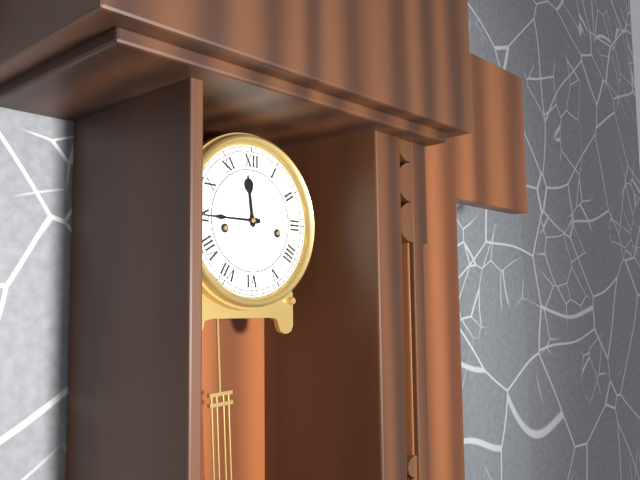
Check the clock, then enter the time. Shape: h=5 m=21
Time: h=11 m=45
